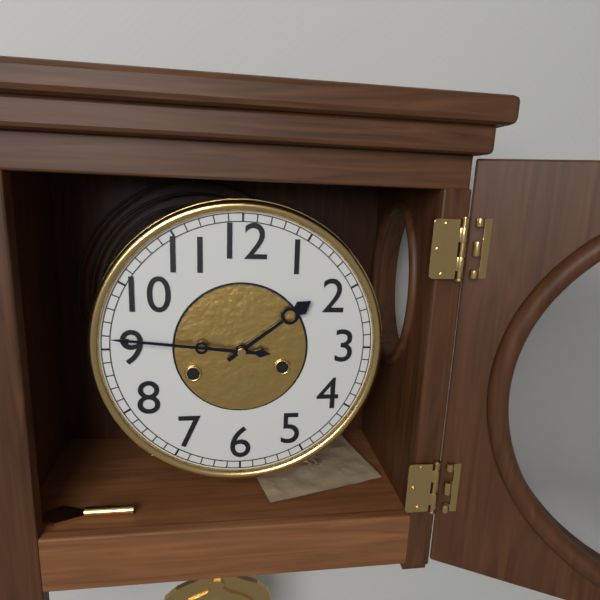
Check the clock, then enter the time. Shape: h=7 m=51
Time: h=1 m=46
